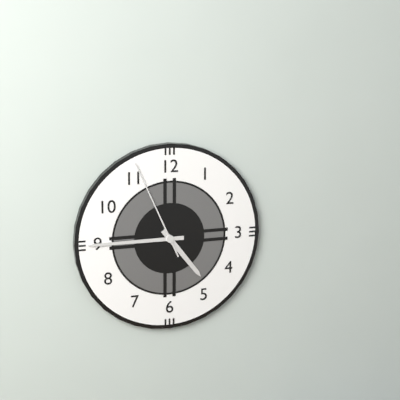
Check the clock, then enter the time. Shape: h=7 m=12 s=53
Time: h=4 m=45 s=56
